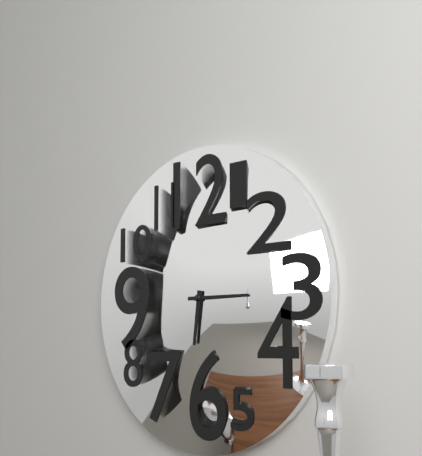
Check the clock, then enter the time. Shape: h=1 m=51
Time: h=6 m=15
